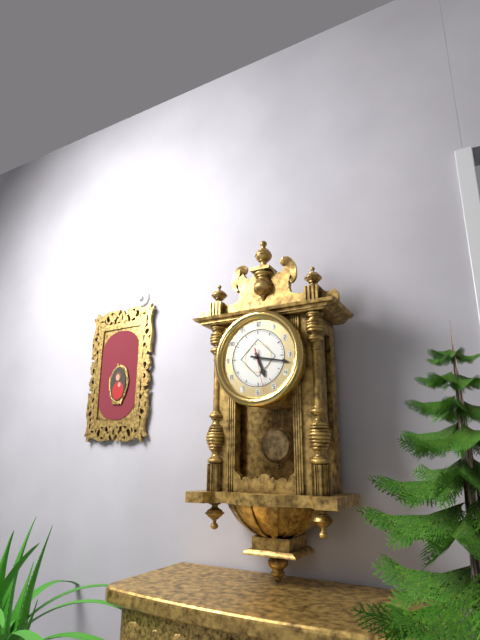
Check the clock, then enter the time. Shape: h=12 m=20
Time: h=5 m=17
